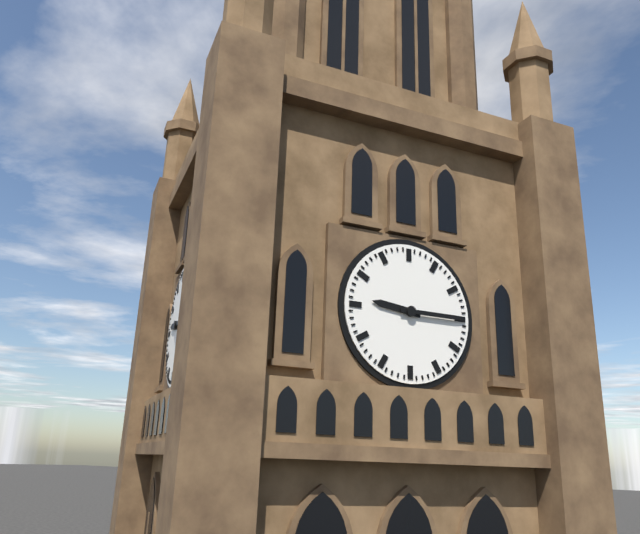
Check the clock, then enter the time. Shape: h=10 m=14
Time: h=9 m=15
